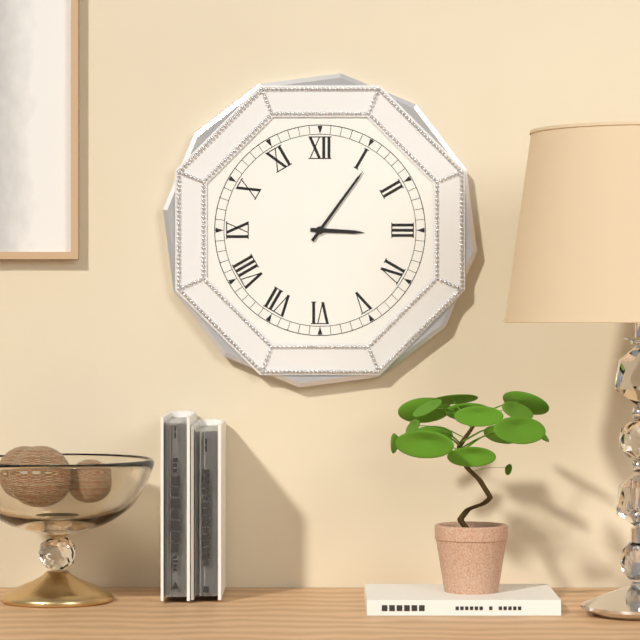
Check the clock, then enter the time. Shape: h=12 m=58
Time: h=3 m=6
